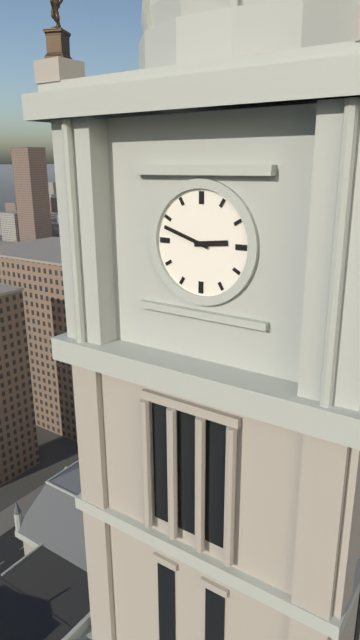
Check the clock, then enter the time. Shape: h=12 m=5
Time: h=2 m=48
